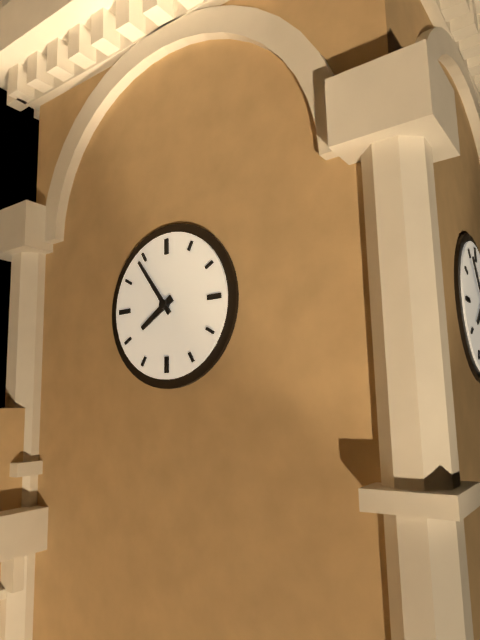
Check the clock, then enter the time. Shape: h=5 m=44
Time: h=7 m=54
